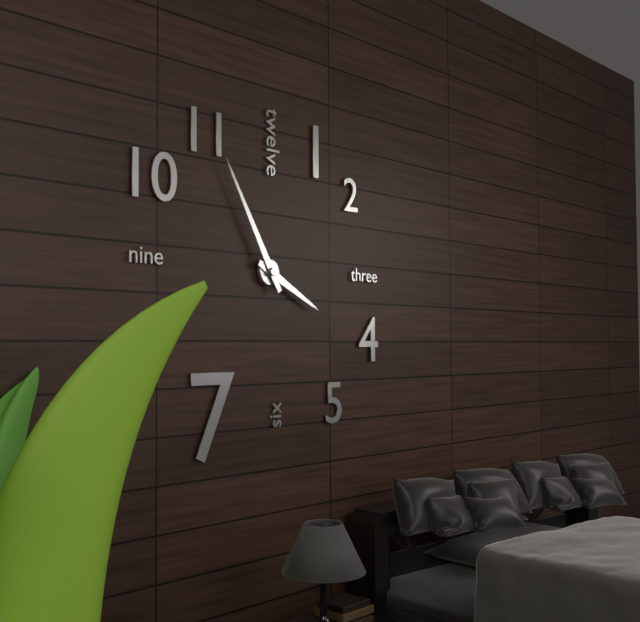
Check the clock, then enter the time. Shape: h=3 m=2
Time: h=3 m=55
